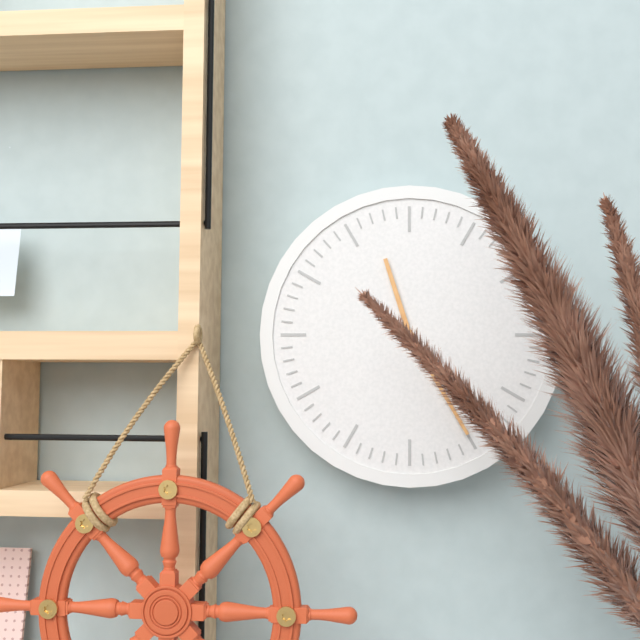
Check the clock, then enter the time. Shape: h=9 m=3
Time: h=11 m=25
